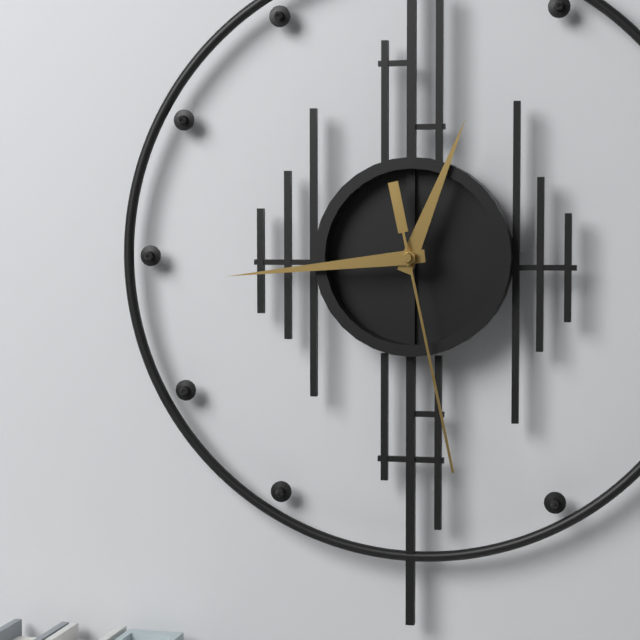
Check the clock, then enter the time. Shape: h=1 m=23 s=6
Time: h=12 m=44 s=28
